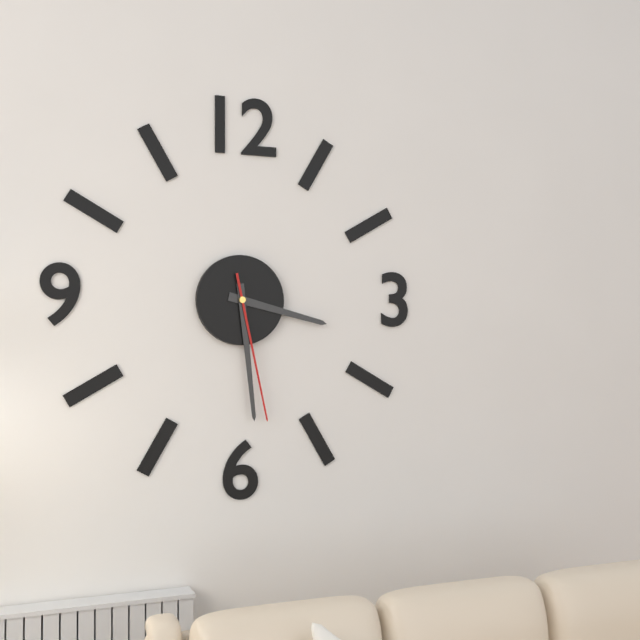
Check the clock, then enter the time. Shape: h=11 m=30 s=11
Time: h=3 m=29 s=28
